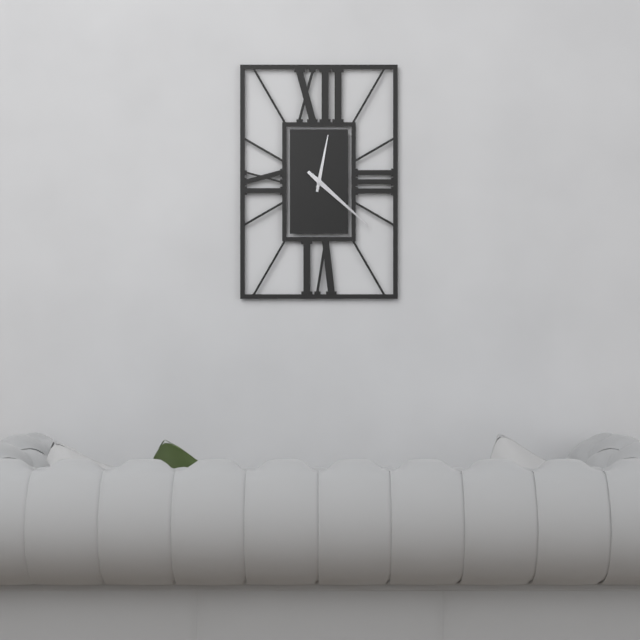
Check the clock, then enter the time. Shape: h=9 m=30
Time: h=12 m=22
